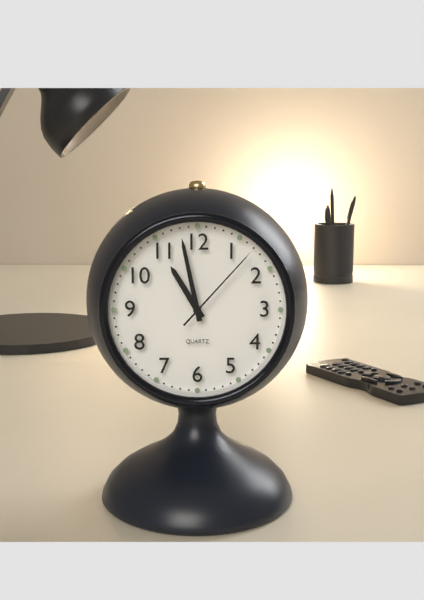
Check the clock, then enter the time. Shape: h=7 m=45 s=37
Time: h=10 m=58 s=7
